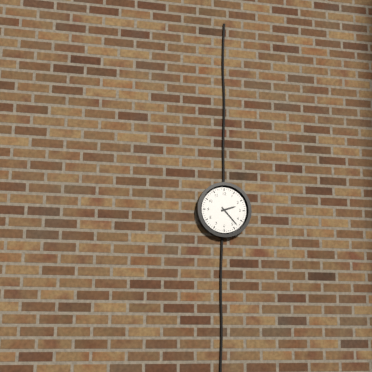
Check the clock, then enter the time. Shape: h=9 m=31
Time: h=2 m=23
